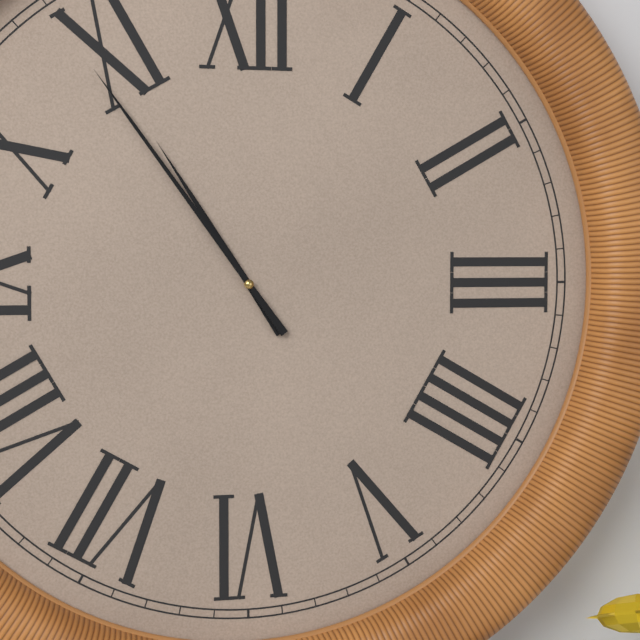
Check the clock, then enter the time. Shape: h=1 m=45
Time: h=10 m=54
